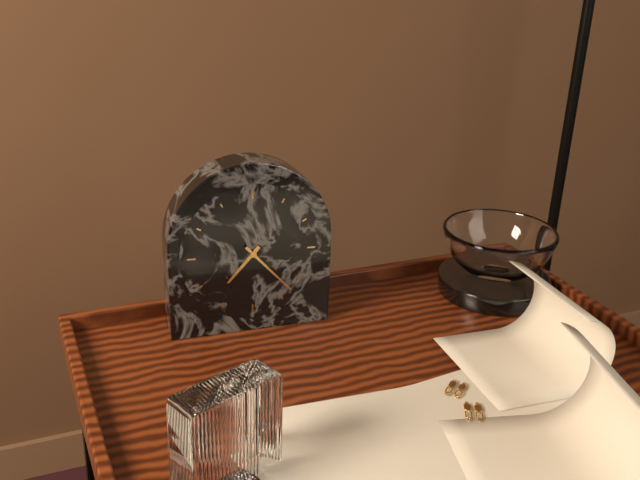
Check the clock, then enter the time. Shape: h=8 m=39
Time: h=7 m=23
